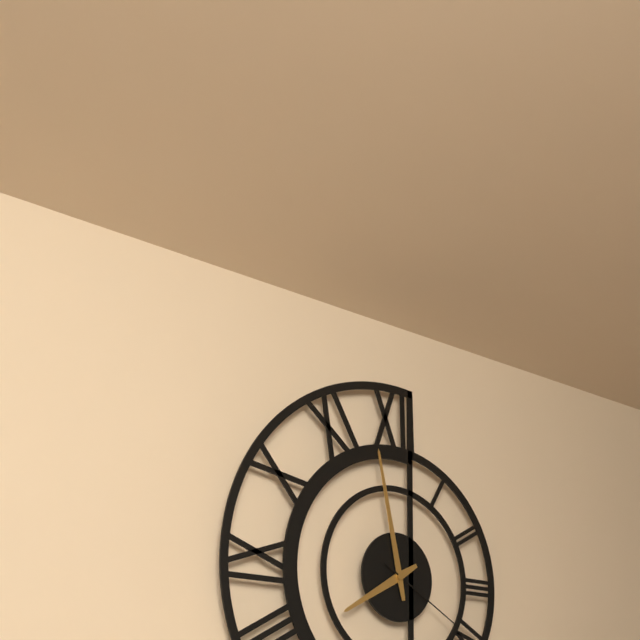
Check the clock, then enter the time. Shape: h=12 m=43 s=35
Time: h=7 m=58 s=20
